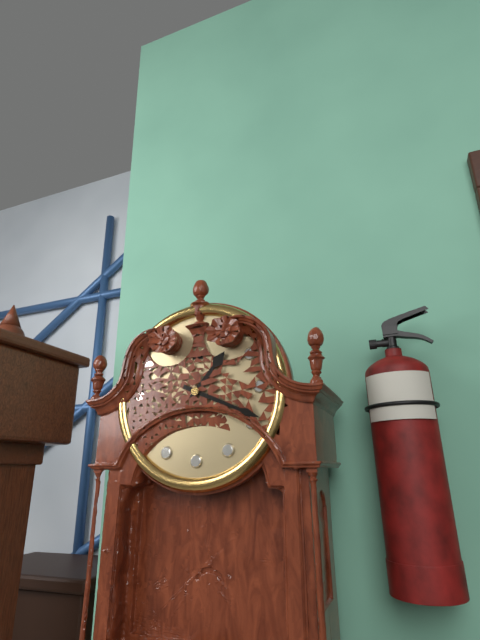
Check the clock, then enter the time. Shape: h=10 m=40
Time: h=1 m=19
